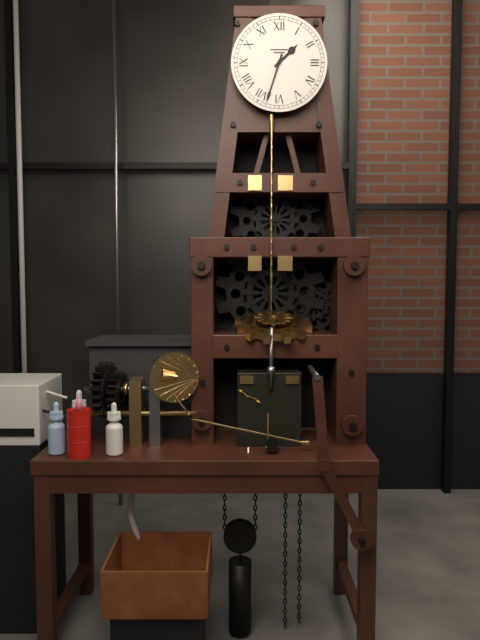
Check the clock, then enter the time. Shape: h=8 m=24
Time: h=1 m=33
